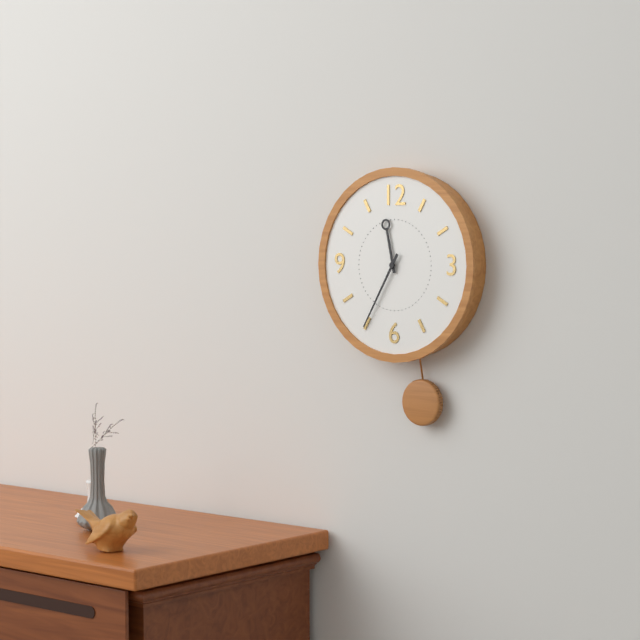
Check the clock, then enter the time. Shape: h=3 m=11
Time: h=11 m=35
